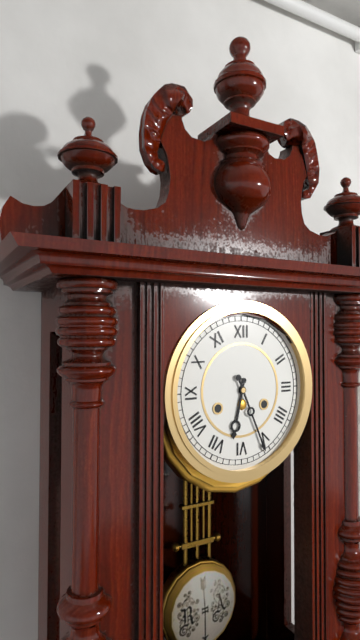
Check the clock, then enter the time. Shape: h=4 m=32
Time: h=6 m=26
